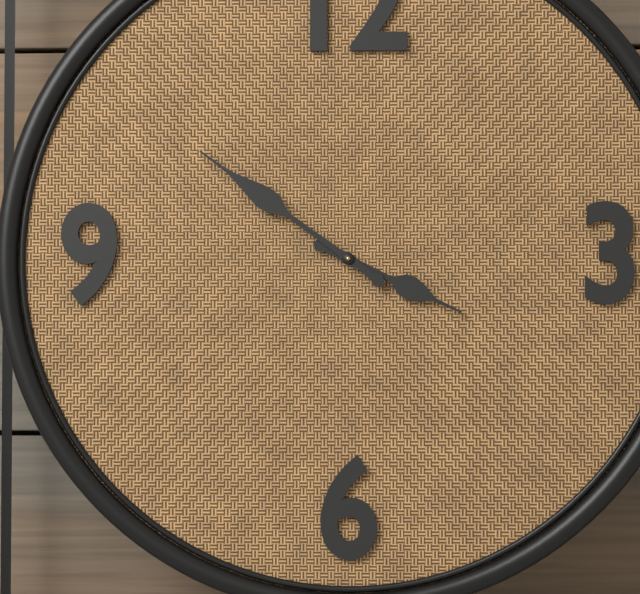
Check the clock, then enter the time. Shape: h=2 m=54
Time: h=3 m=51
